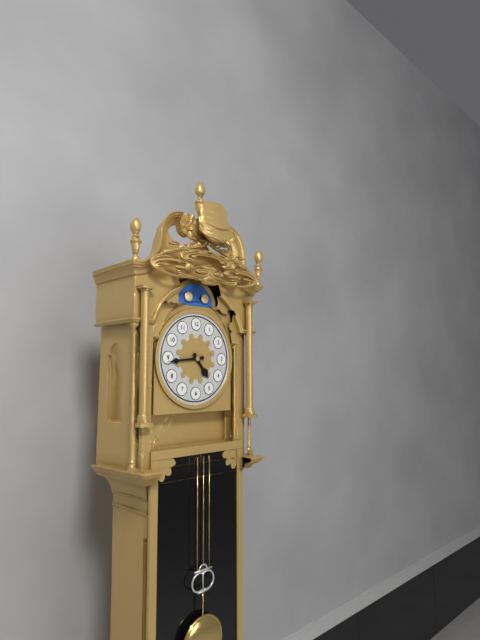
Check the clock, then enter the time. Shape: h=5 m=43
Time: h=4 m=44
